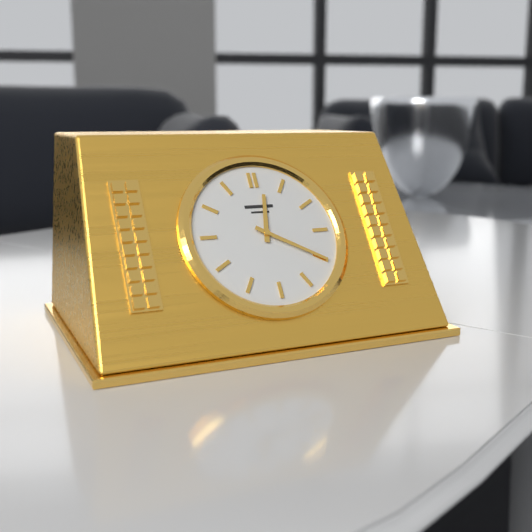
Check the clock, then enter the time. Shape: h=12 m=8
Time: h=12 m=20
